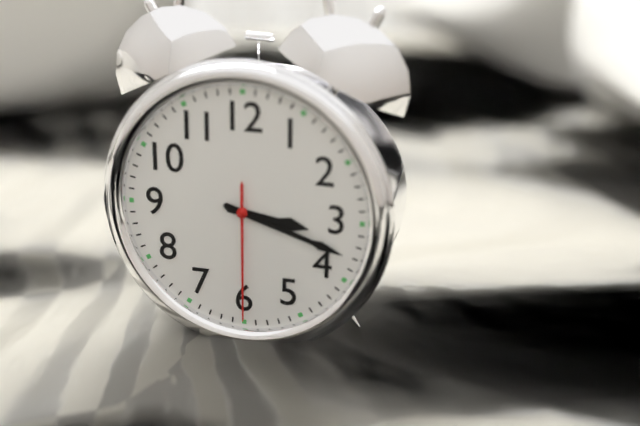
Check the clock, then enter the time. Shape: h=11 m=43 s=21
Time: h=3 m=18 s=30
